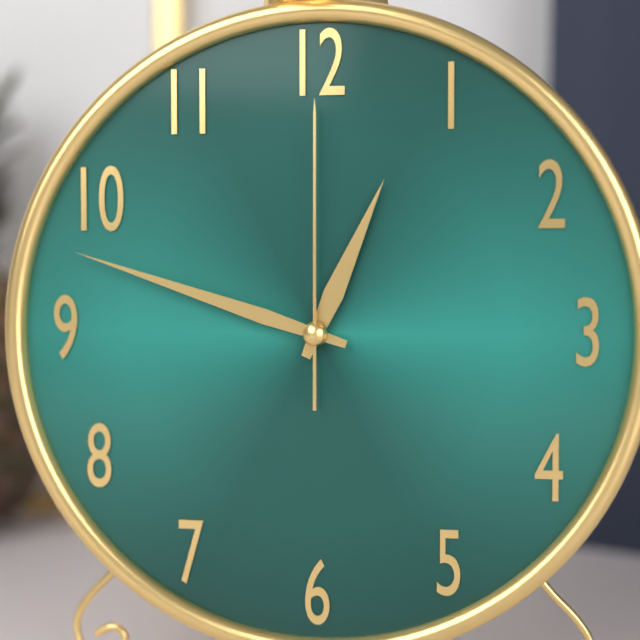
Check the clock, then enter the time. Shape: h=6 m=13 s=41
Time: h=12 m=48 s=0
